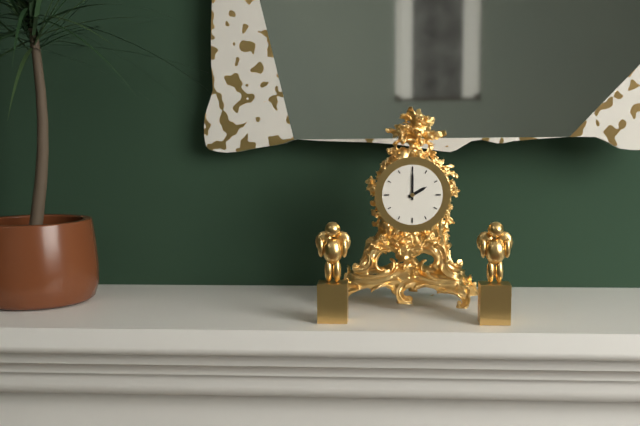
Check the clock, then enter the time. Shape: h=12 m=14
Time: h=2 m=0
